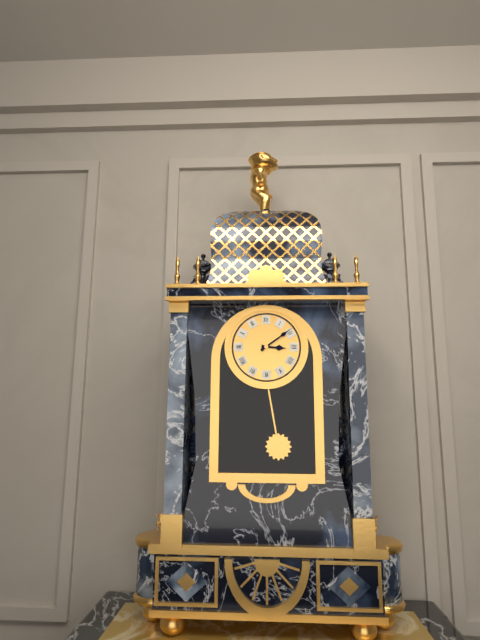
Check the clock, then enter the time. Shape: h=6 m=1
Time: h=3 m=9
